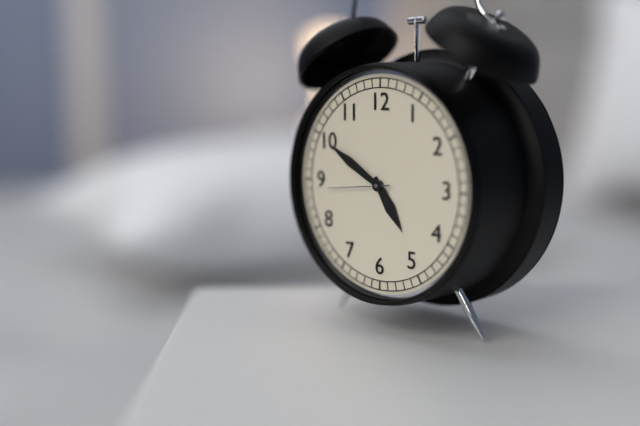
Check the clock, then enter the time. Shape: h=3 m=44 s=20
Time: h=4 m=50 s=44
